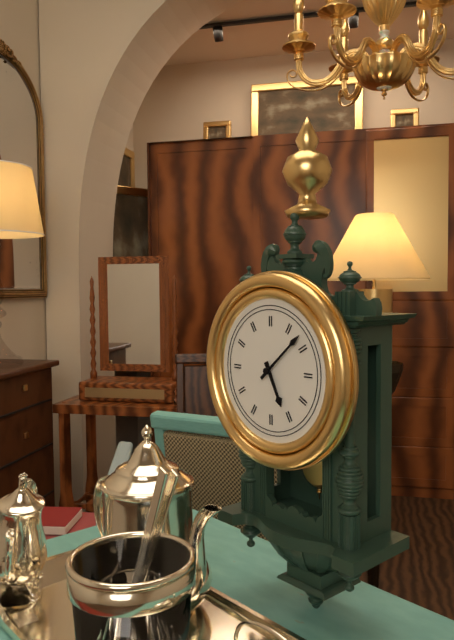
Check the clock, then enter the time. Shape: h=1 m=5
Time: h=5 m=8
